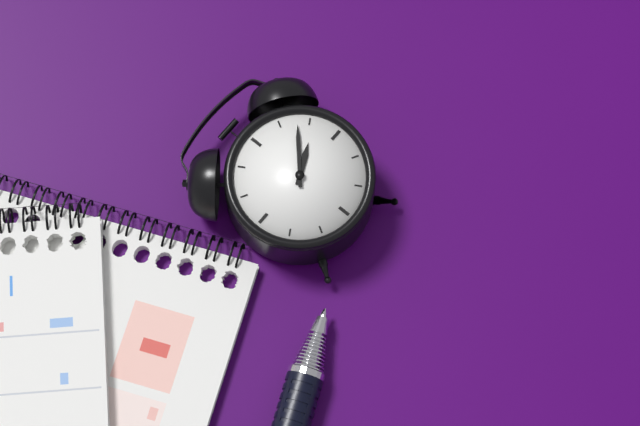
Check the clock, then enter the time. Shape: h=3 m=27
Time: h=2 m=8
